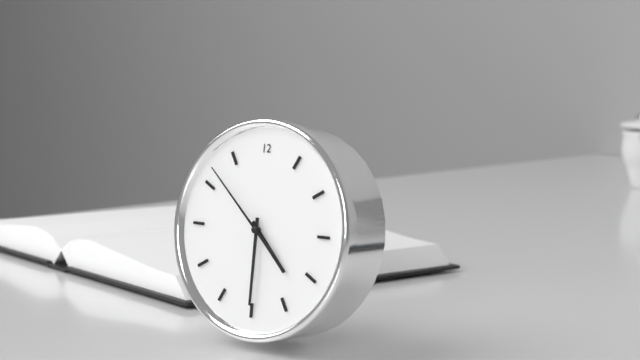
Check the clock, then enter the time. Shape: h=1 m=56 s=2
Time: h=4 m=30 s=52
